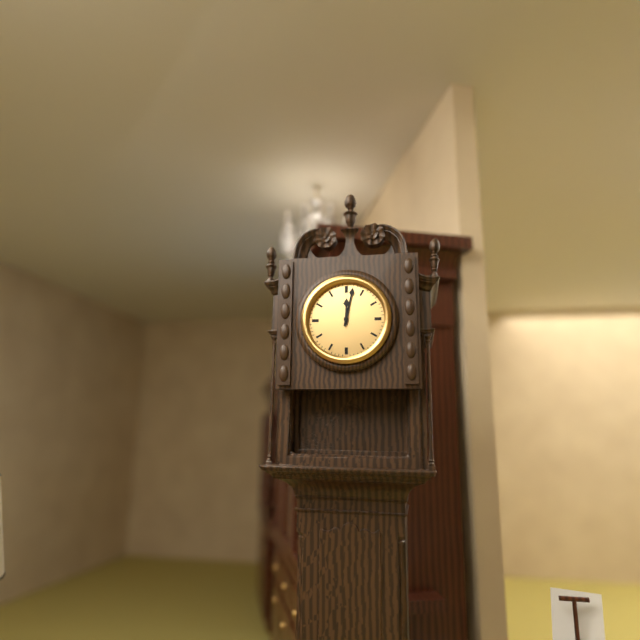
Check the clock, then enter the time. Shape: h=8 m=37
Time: h=12 m=2
